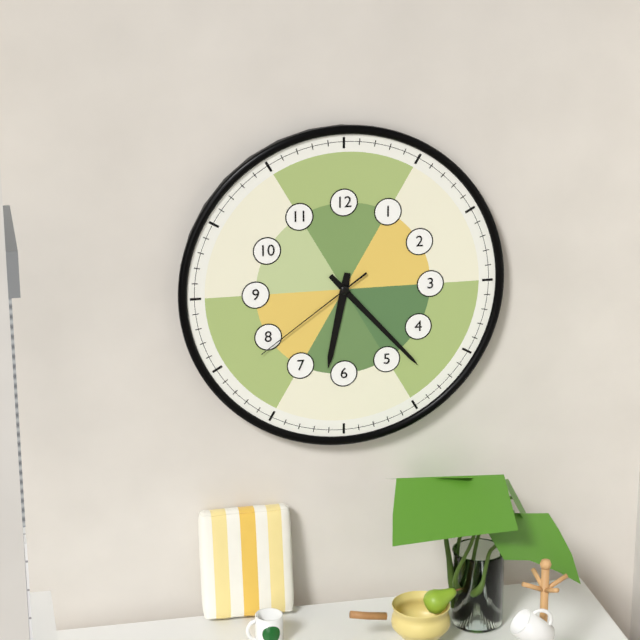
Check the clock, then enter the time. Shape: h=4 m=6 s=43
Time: h=6 m=23 s=39
